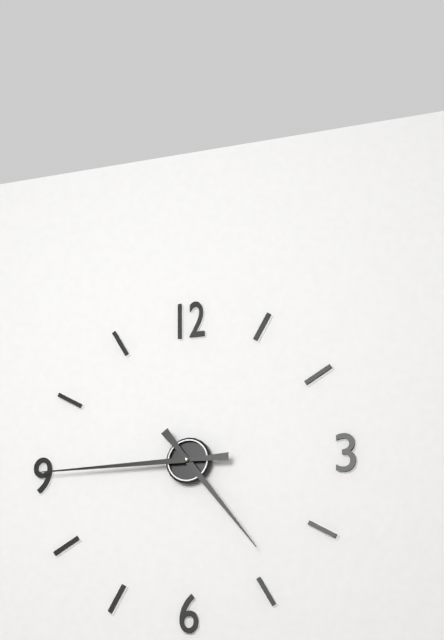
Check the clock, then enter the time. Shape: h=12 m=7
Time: h=4 m=45
